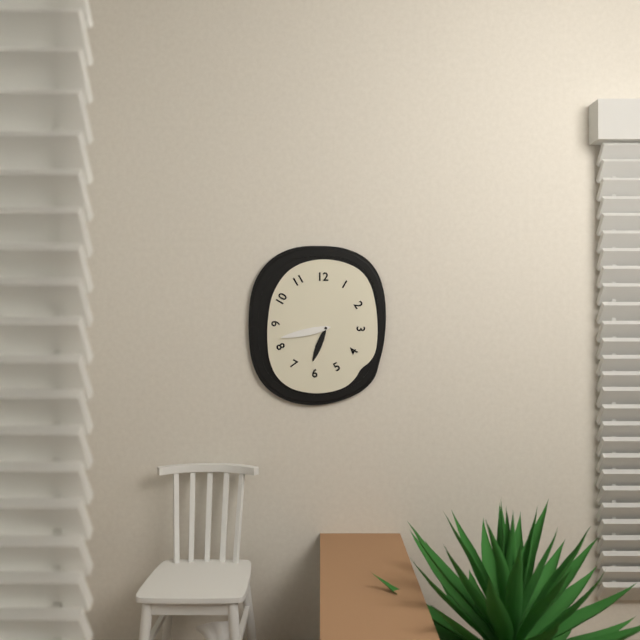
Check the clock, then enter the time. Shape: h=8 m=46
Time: h=6 m=43
